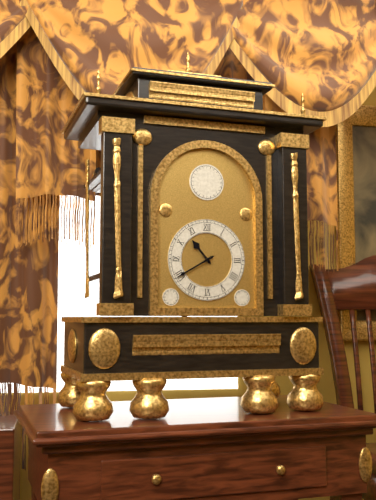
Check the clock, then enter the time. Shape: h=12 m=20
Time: h=10 m=40
